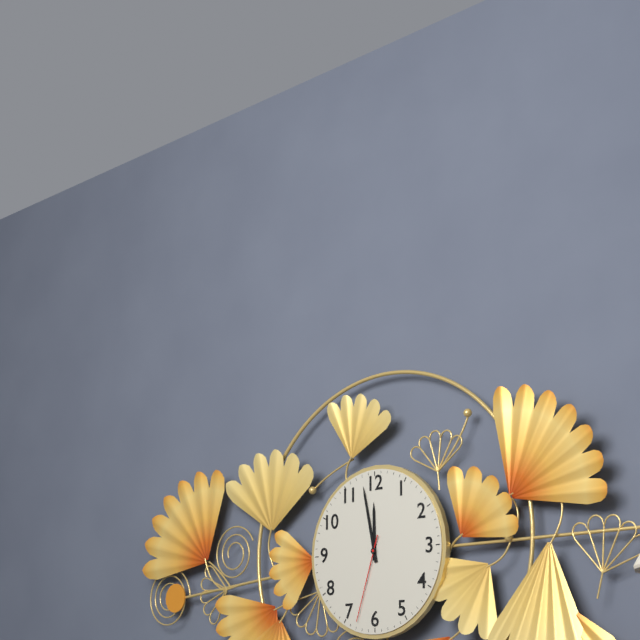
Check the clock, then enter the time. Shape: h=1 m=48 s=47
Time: h=11 m=58 s=33
